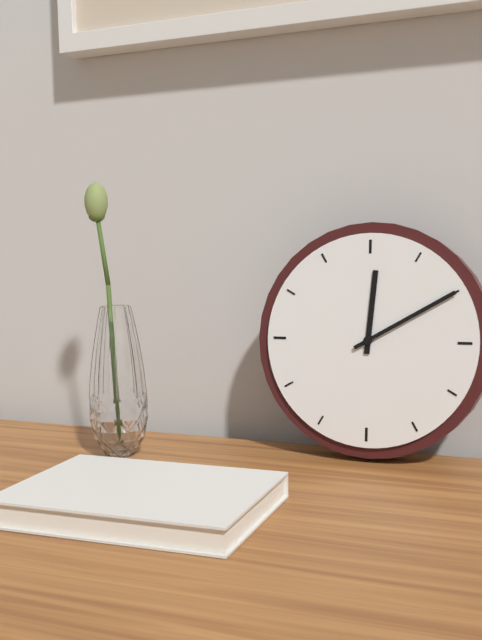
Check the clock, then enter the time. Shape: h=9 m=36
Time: h=12 m=10
